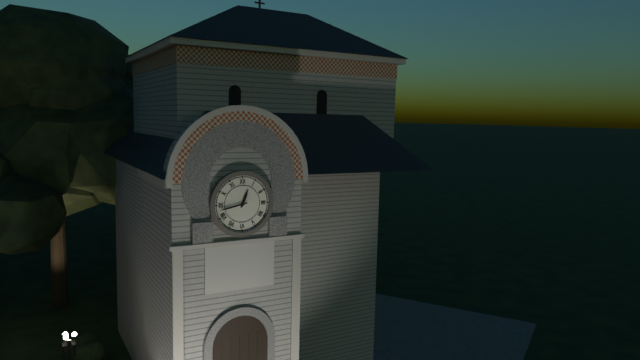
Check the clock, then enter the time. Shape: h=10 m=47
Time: h=12 m=43
